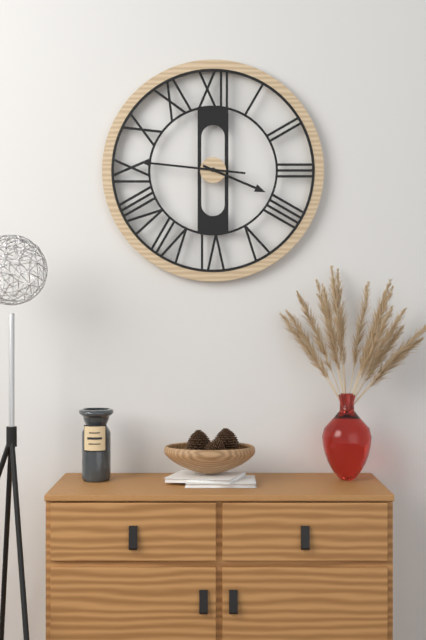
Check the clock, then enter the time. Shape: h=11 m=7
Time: h=3 m=46
